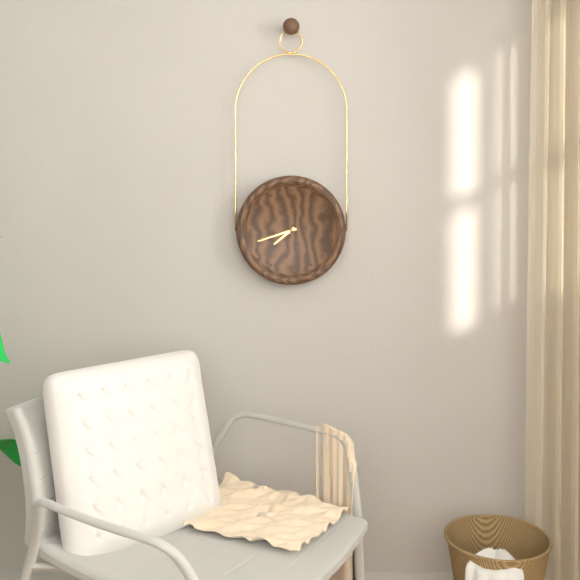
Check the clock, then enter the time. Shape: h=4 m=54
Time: h=7 m=42
